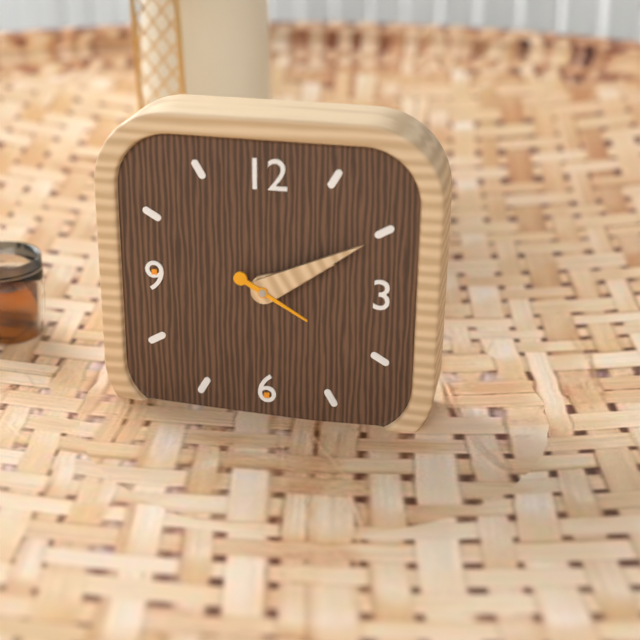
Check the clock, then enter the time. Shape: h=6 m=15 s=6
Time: h=2 m=10 s=20
